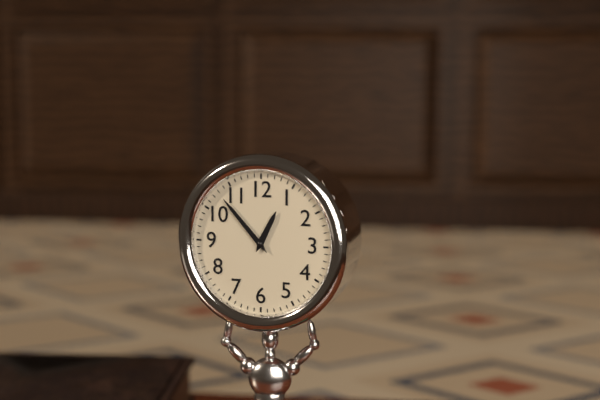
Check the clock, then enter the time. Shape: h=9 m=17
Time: h=12 m=53
